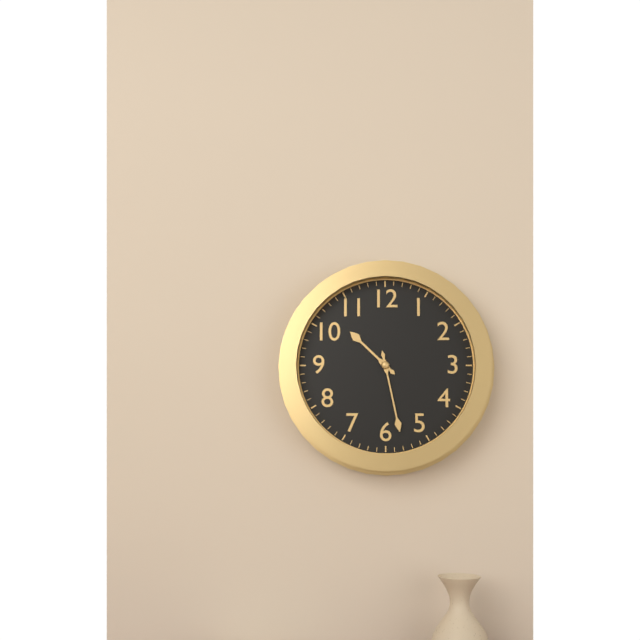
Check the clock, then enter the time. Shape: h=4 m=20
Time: h=10 m=28
